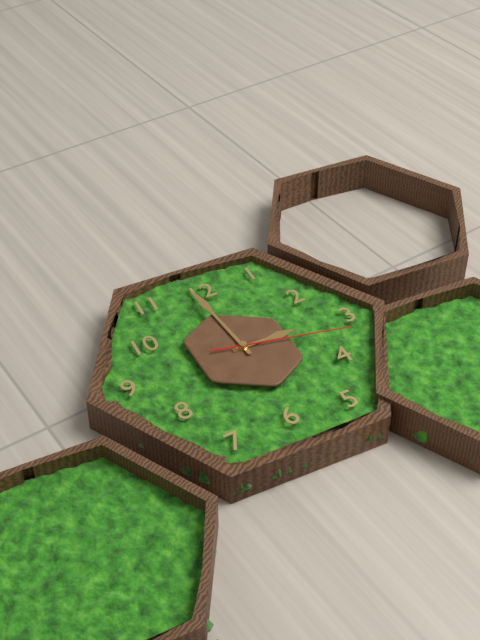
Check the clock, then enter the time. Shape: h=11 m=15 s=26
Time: h=2 m=59 s=17
